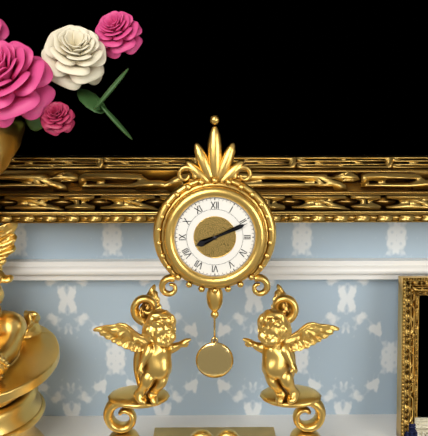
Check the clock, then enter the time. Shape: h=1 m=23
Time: h=8 m=11
